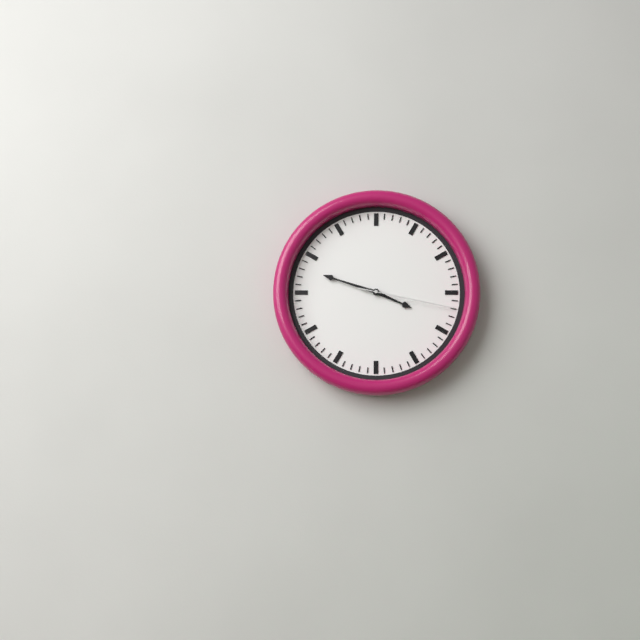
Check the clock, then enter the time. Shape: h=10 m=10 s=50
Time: h=3 m=48 s=17
